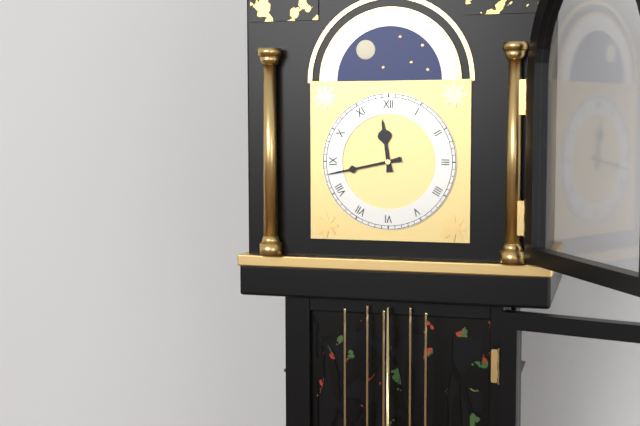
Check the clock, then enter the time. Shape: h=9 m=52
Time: h=11 m=43
